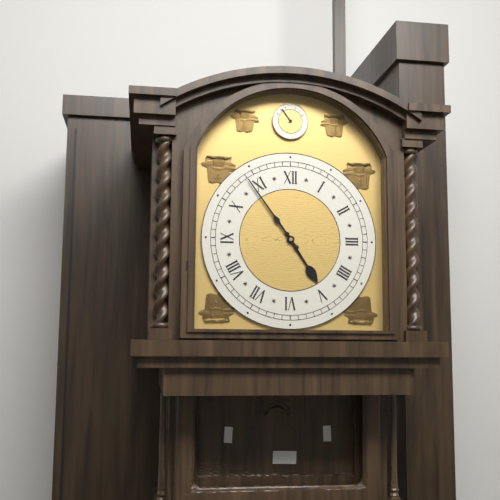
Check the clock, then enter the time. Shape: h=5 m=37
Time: h=4 m=54
